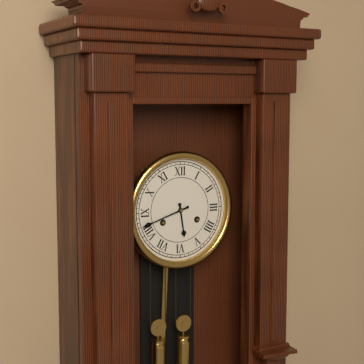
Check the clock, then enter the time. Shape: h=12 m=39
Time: h=5 m=42
